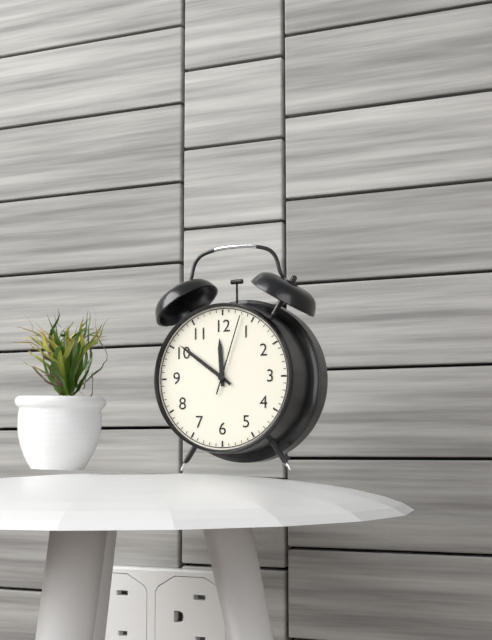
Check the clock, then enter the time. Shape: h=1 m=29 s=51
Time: h=11 m=51 s=3
